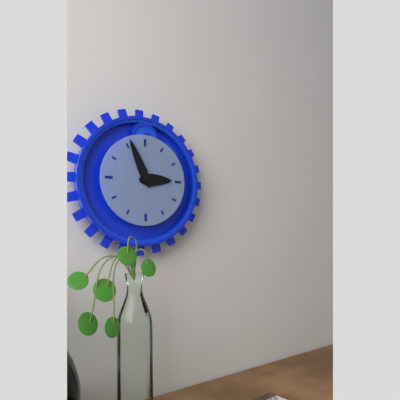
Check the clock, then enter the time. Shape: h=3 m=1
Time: h=2 m=56
